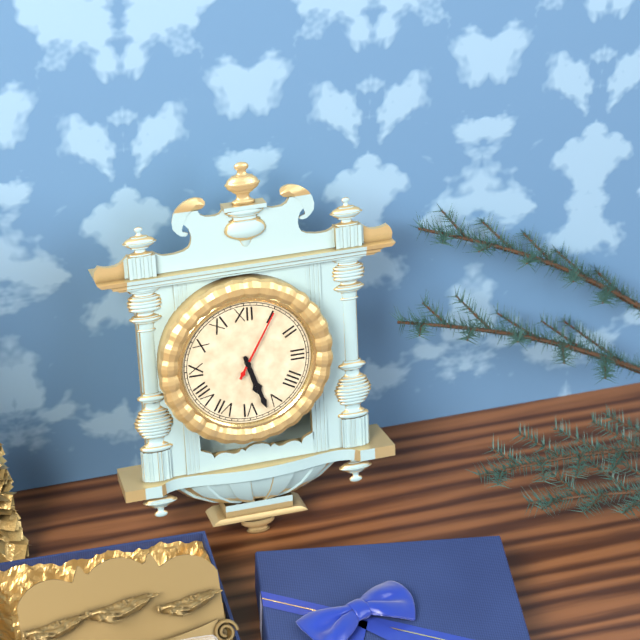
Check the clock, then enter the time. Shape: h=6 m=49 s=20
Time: h=5 m=27 s=5
